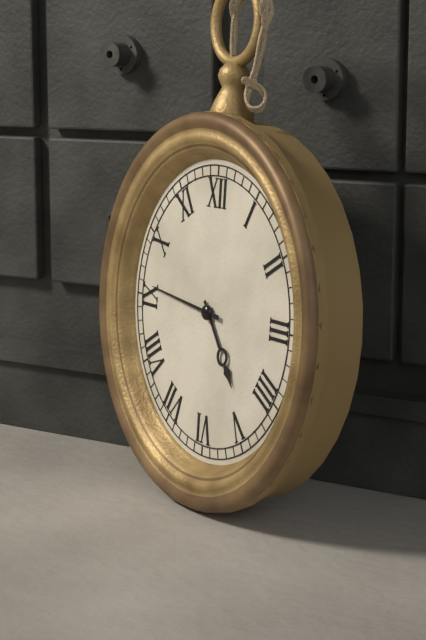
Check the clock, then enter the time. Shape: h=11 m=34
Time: h=4 m=46
